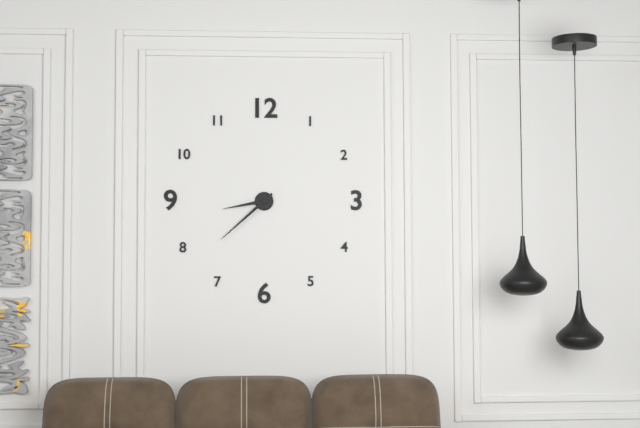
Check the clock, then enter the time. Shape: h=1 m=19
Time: h=8 m=38
